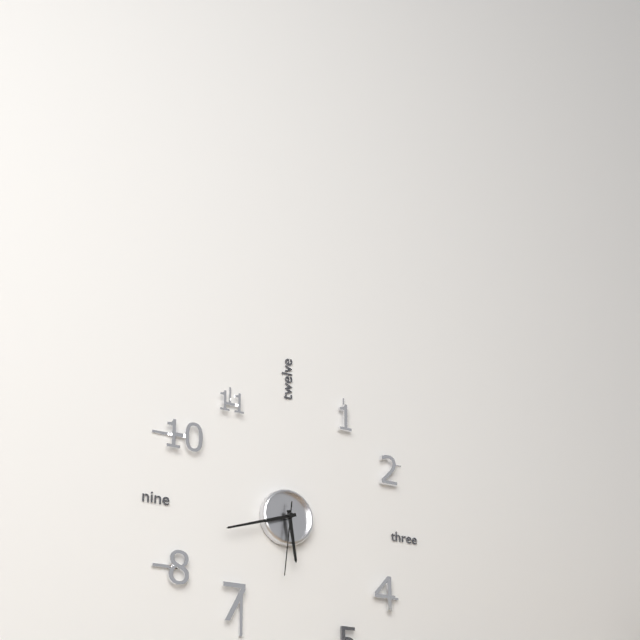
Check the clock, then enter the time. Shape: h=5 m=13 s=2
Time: h=5 m=42 s=31
